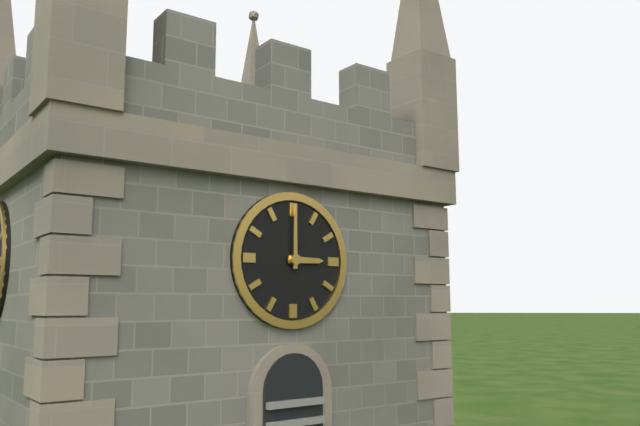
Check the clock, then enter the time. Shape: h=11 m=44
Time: h=3 m=0
